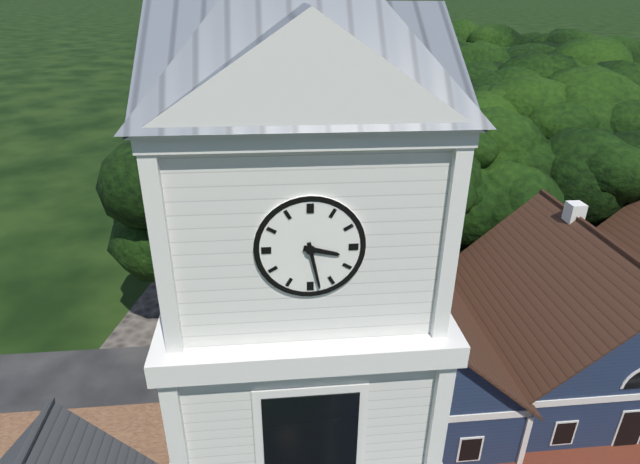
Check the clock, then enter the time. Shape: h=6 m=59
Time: h=3 m=28
